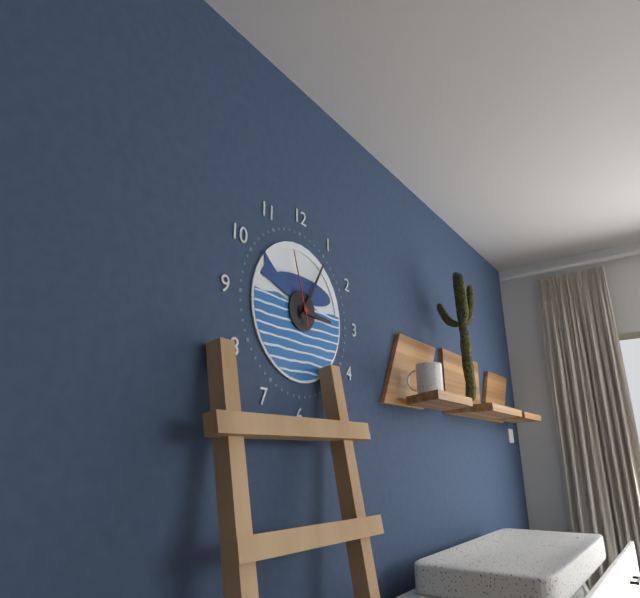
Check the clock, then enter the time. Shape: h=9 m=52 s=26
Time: h=3 m=5 s=57
